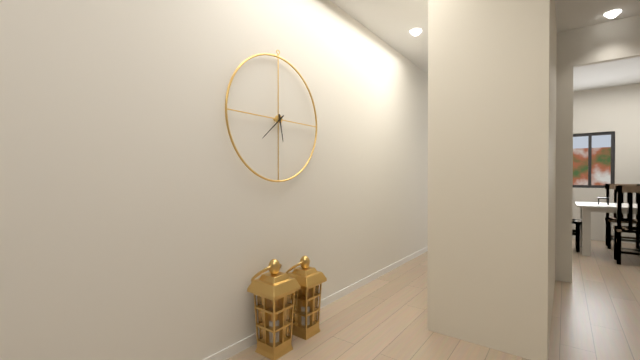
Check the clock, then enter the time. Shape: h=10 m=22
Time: h=5 m=38
